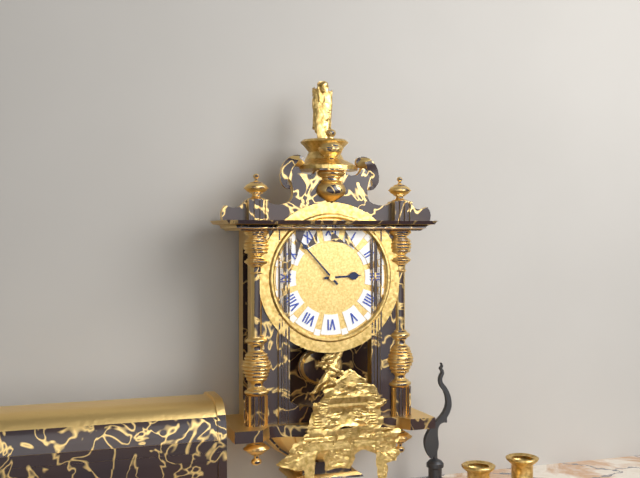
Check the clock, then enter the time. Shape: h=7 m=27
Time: h=2 m=53
